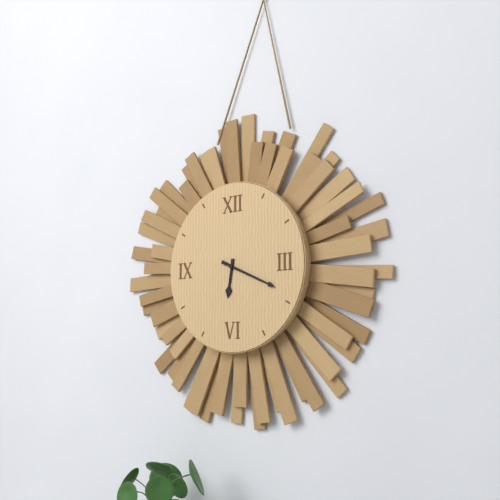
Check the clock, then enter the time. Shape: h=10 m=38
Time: h=6 m=19
